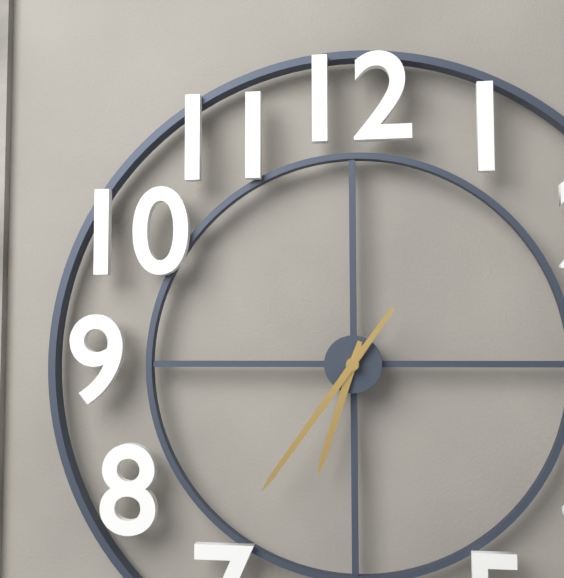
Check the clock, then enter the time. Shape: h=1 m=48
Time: h=6 m=36
